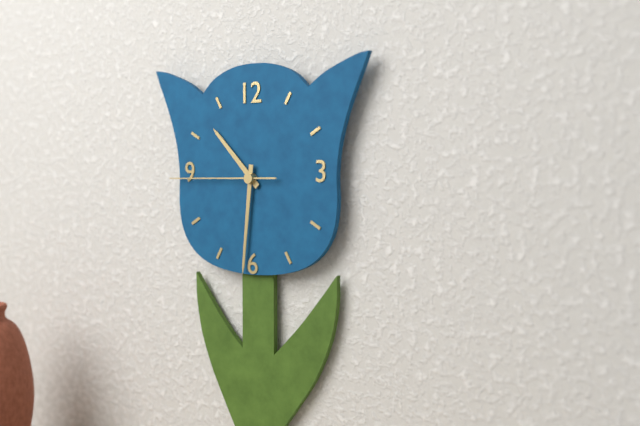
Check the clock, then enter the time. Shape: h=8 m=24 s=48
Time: h=10 m=31 s=45
